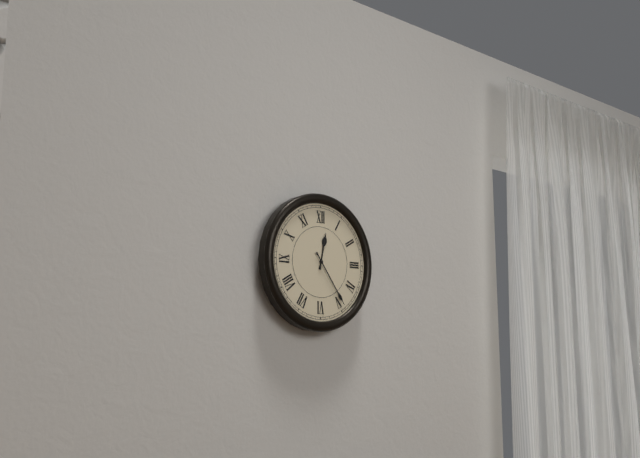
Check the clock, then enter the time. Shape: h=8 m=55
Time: h=12 m=24
